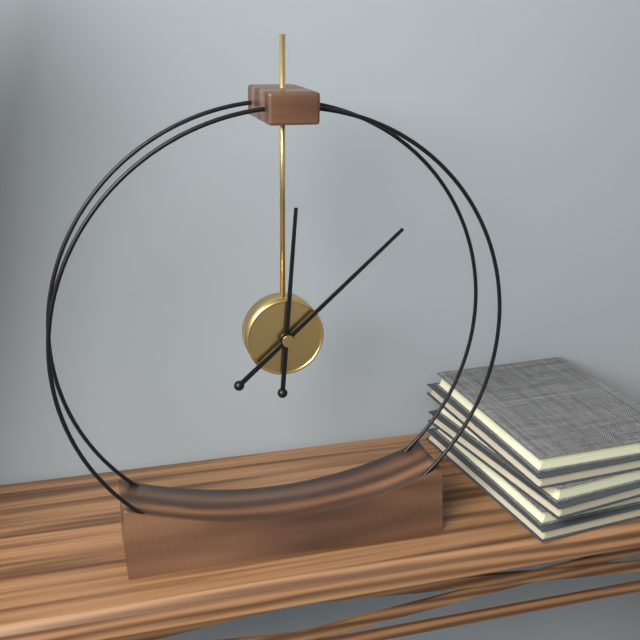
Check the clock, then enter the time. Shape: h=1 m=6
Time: h=12 m=8
